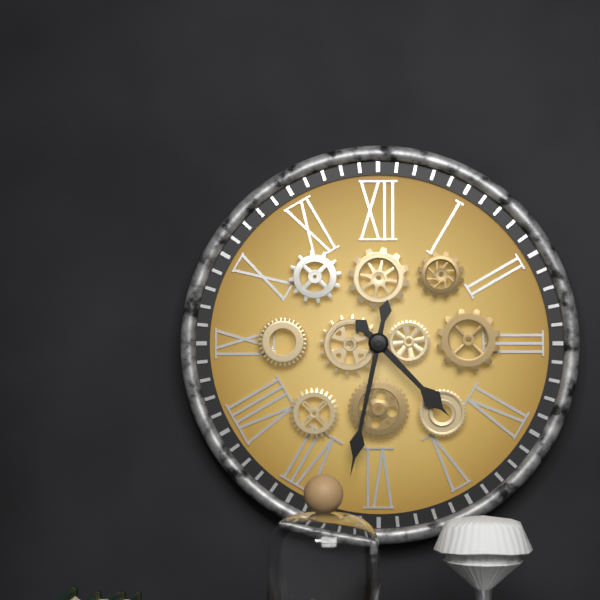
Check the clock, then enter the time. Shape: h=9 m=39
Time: h=4 m=32
